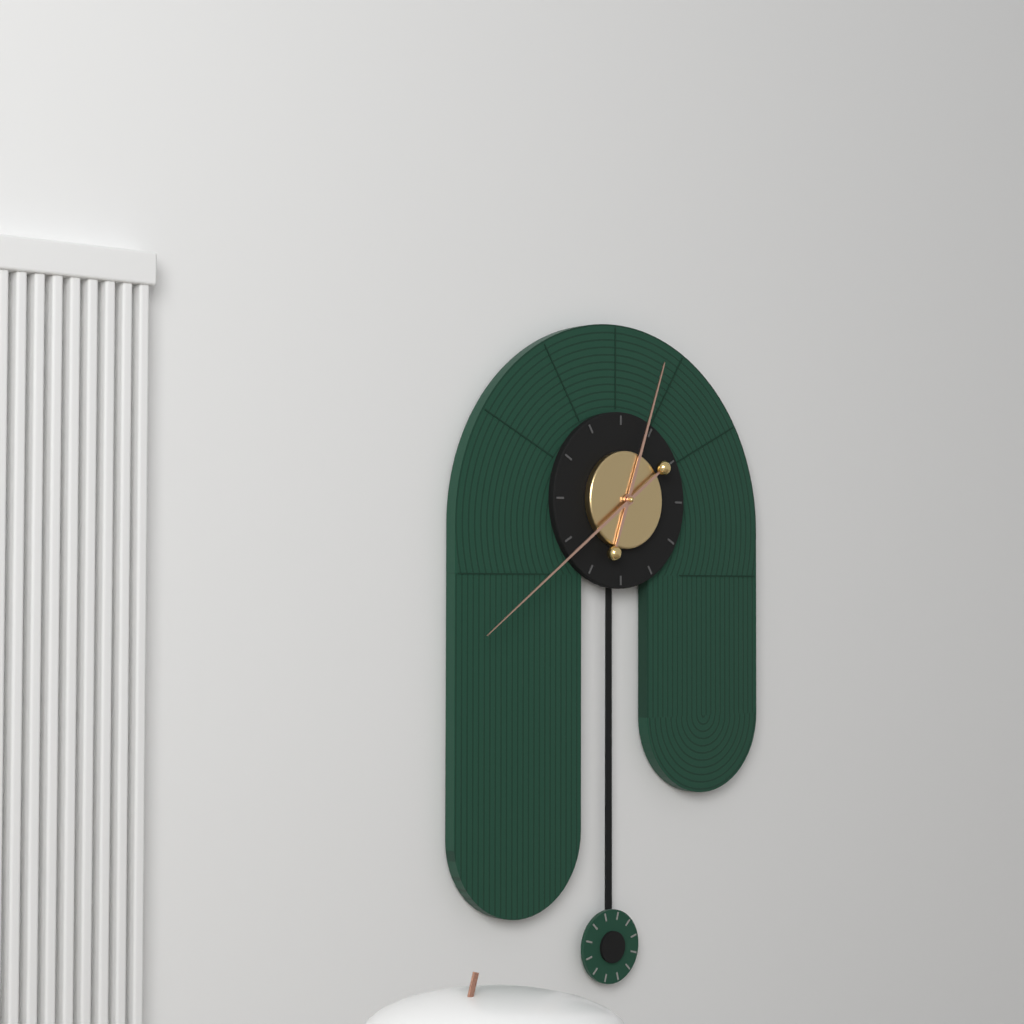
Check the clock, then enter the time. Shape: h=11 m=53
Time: h=12 m=39
